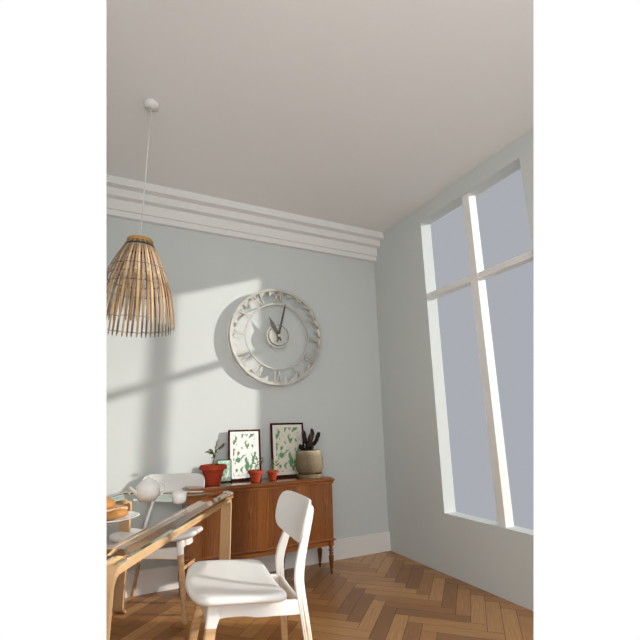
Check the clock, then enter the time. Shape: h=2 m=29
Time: h=11 m=2
